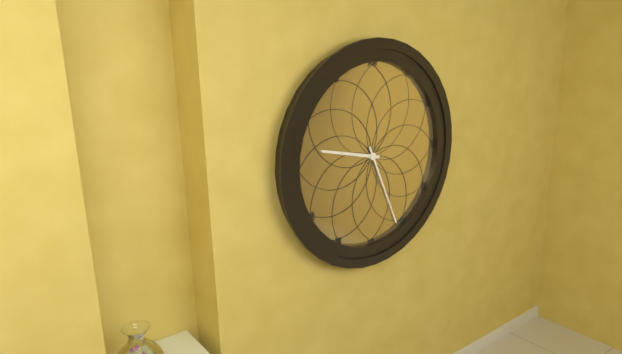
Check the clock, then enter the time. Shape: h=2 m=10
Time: h=9 m=26
